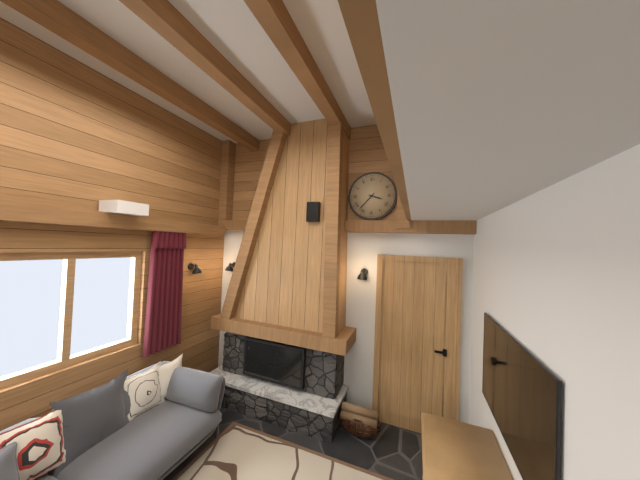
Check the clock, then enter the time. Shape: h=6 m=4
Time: h=3 m=37
